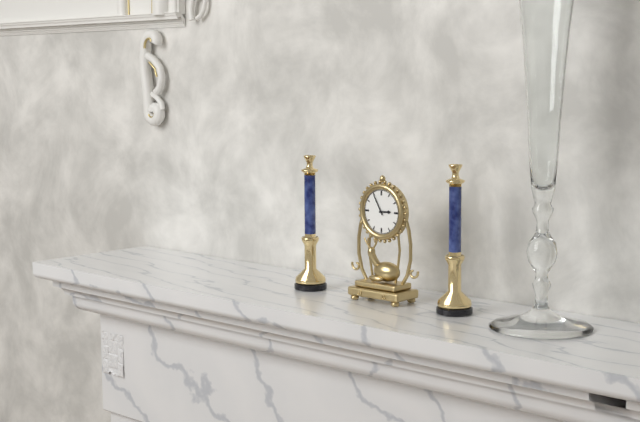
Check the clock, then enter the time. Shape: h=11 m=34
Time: h=2 m=55
